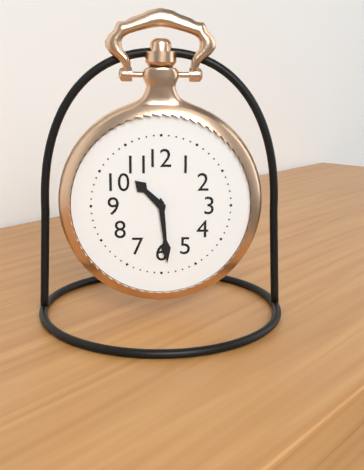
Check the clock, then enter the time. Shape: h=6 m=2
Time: h=10 m=29
